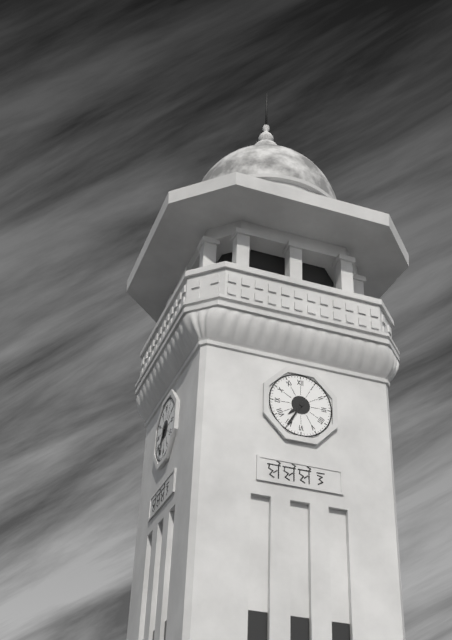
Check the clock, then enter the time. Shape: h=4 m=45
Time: h=7 m=35
